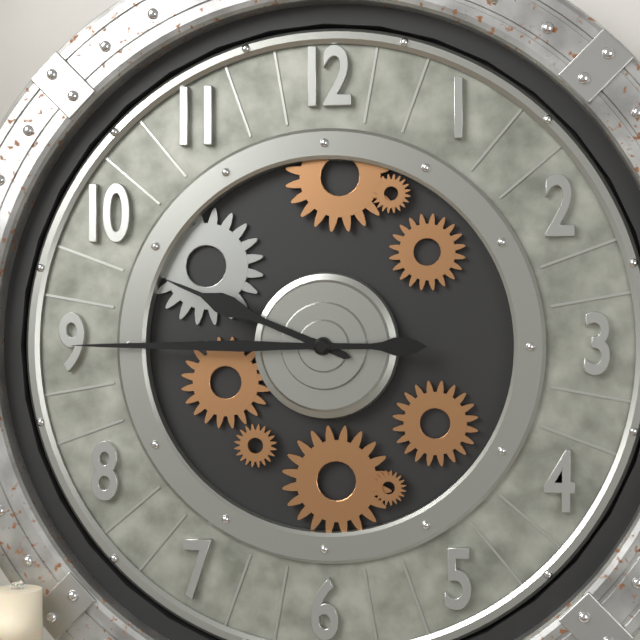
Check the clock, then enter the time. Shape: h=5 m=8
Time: h=9 m=45
